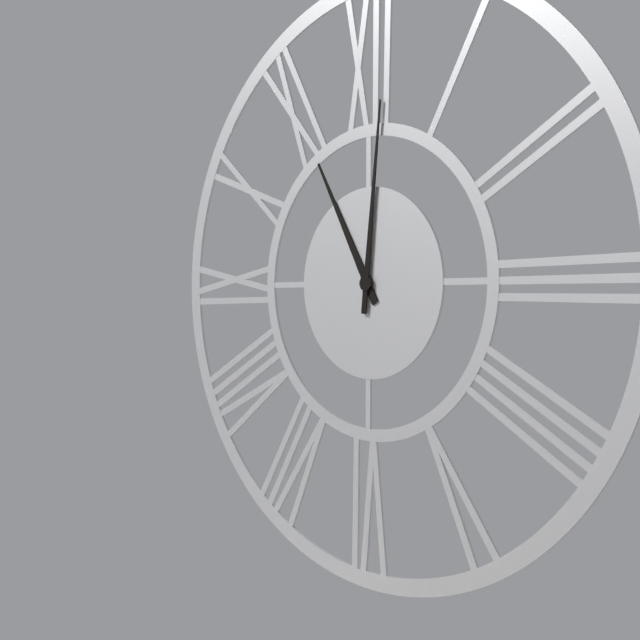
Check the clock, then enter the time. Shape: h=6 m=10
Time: h=11 m=1
